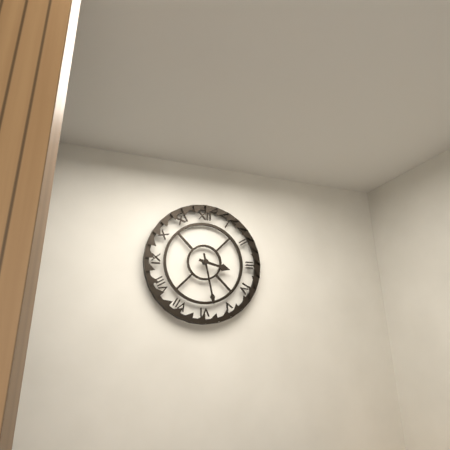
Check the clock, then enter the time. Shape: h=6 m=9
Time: h=3 m=28
